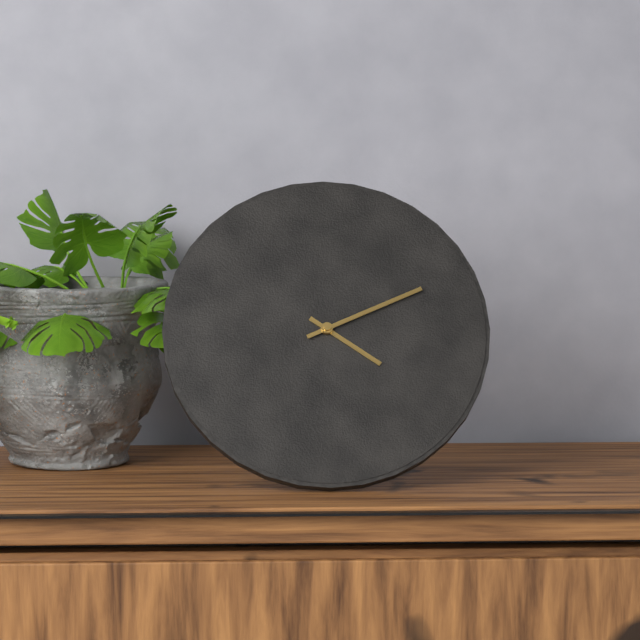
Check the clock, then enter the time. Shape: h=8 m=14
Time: h=4 m=11
